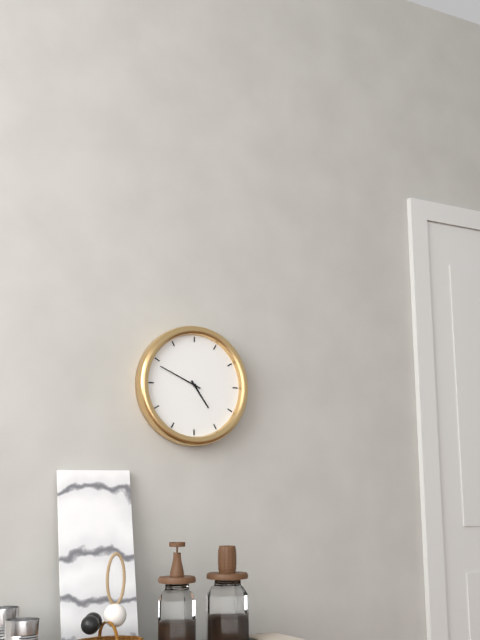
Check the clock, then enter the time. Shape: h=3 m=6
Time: h=4 m=49
